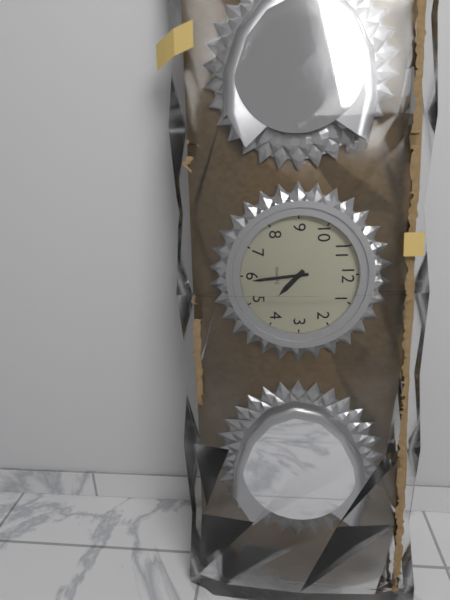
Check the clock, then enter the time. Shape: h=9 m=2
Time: h=4 m=29
